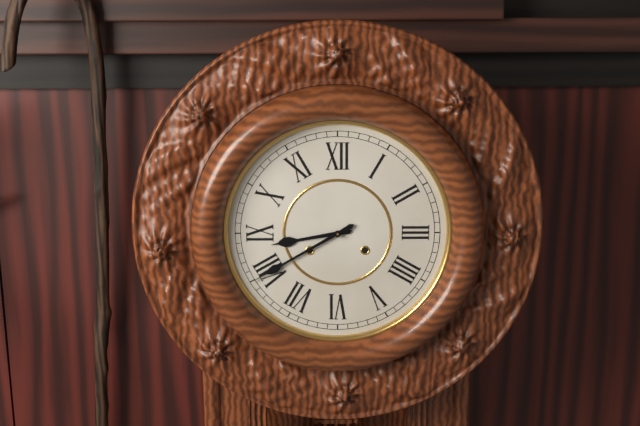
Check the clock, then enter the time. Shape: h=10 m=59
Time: h=8 m=40
